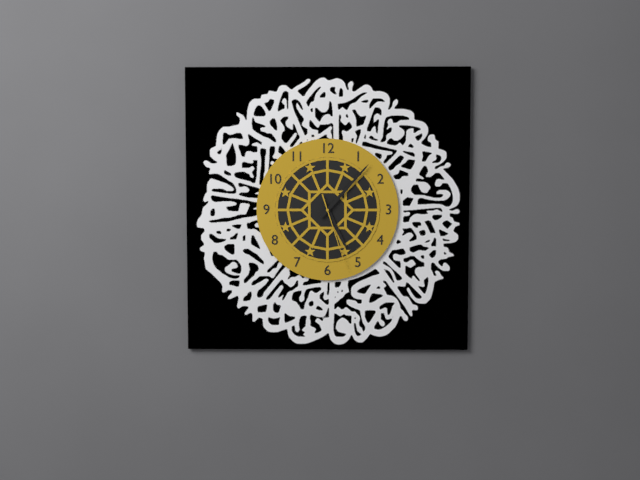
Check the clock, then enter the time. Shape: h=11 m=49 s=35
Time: h=5 m=7 s=27
